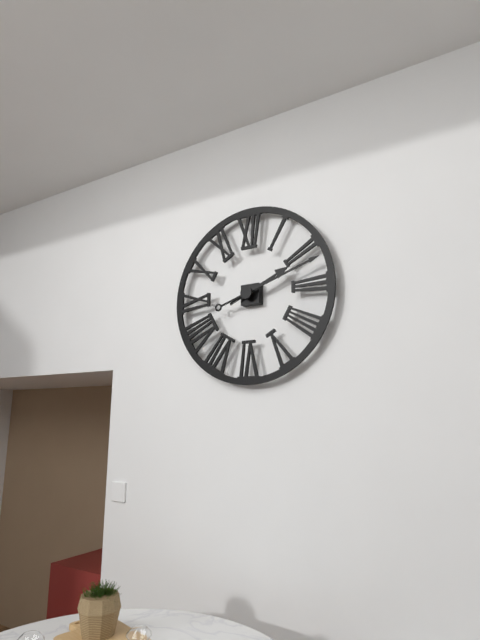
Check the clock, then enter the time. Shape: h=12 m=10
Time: h=2 m=12
